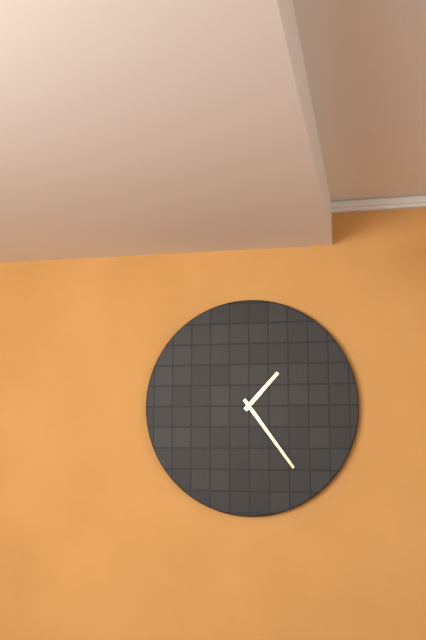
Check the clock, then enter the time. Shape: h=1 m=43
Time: h=1 m=24
